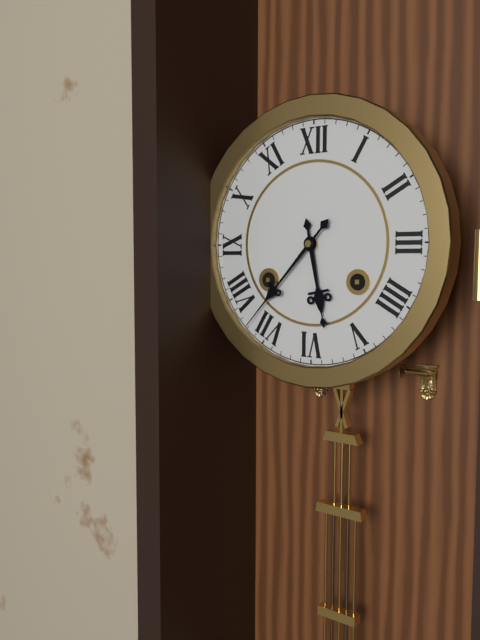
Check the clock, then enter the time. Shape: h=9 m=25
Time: h=5 m=37
